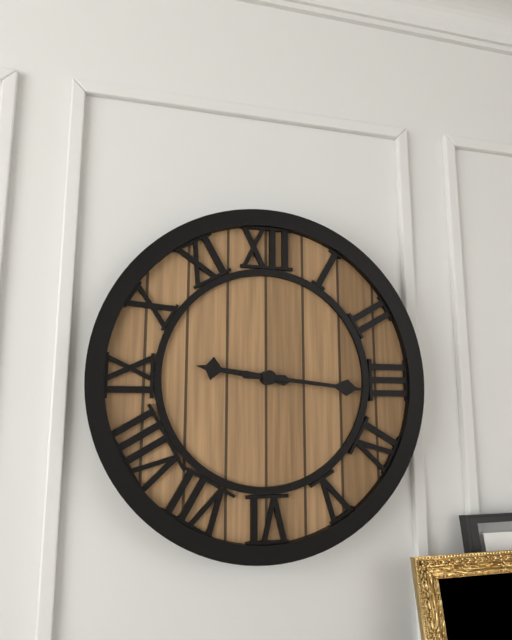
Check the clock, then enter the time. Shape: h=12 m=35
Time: h=9 m=16
